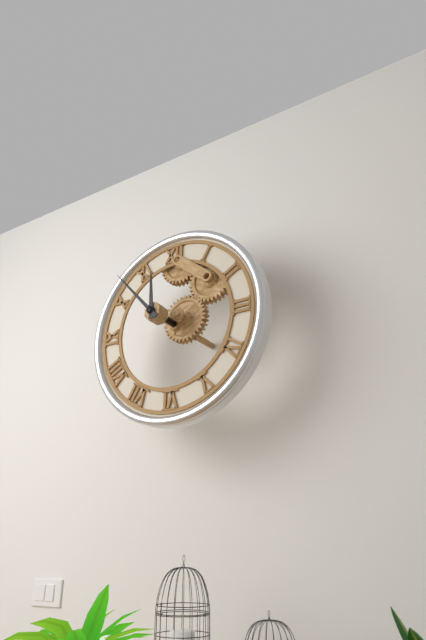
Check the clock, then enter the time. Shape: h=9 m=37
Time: h=11 m=53
